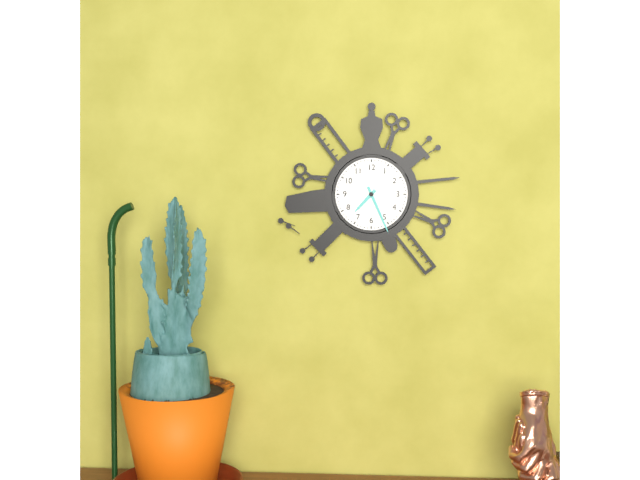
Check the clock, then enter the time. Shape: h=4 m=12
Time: h=7 m=26
